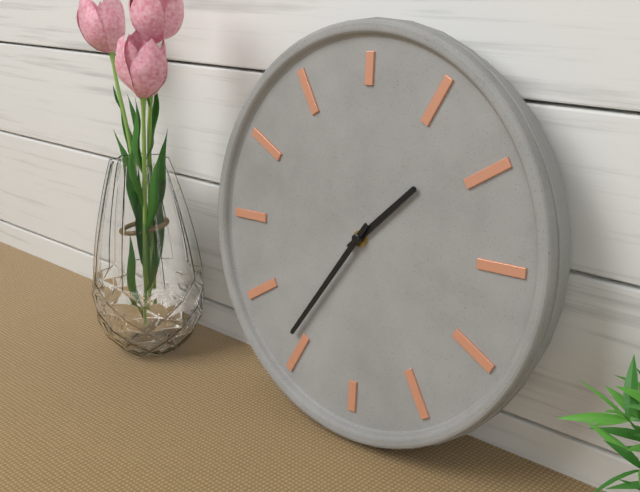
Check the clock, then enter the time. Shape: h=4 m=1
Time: h=1 m=36
